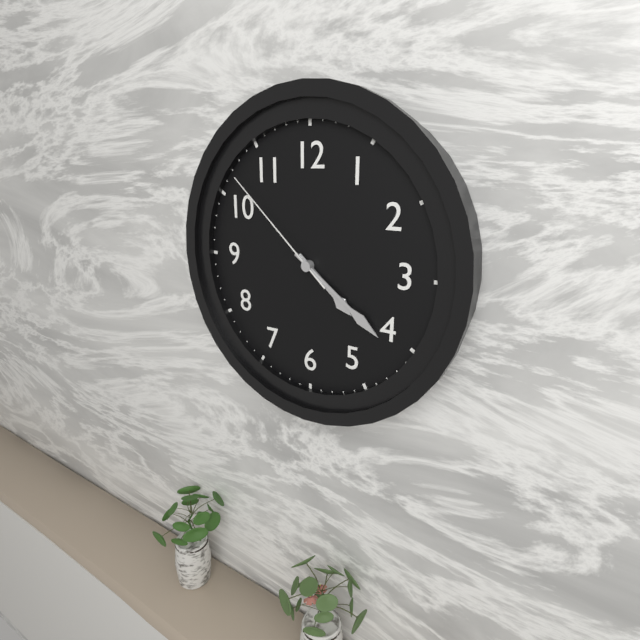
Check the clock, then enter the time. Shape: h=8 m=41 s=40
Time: h=4 m=21 s=52
